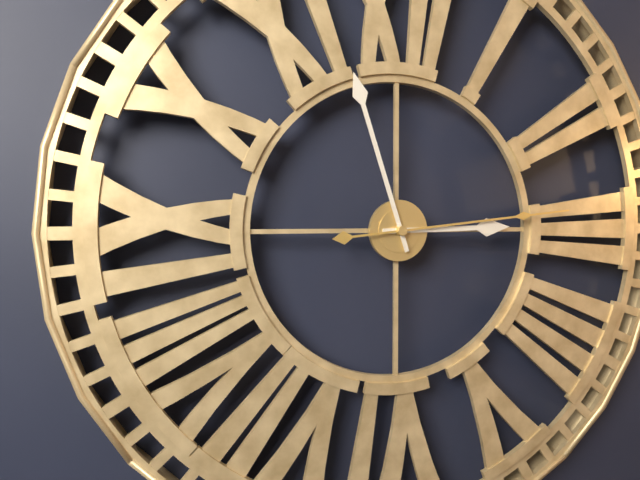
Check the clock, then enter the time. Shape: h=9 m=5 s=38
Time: h=2 m=57 s=14
